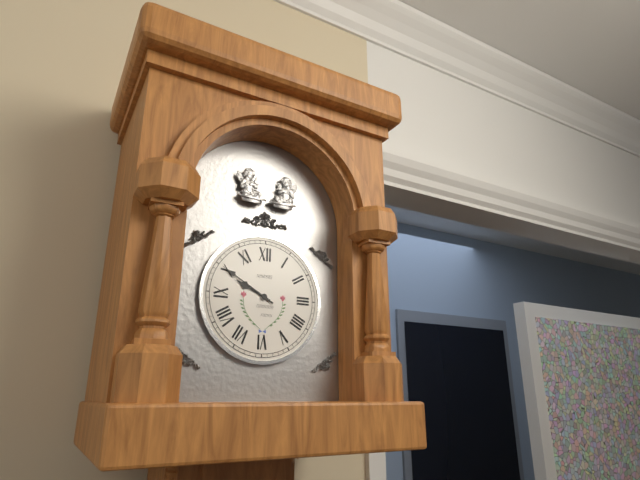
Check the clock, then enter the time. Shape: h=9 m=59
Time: h=9 m=50
